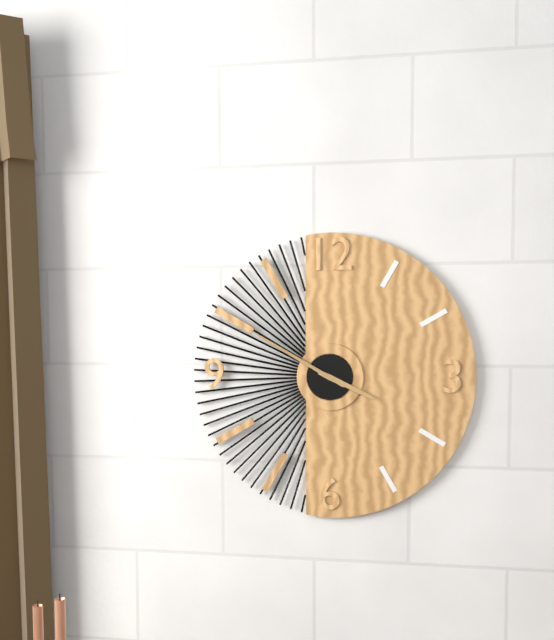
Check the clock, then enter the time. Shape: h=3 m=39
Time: h=3 m=50
